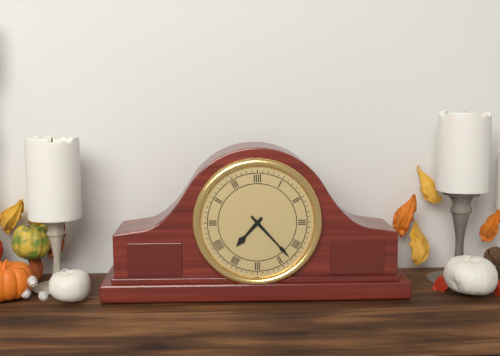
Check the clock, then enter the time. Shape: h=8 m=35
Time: h=7 m=23
